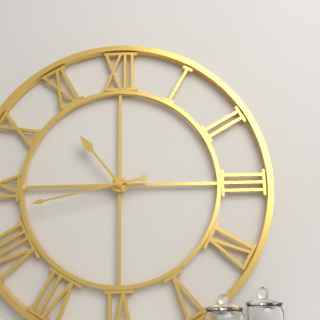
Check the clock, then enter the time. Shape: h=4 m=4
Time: h=10 m=43
